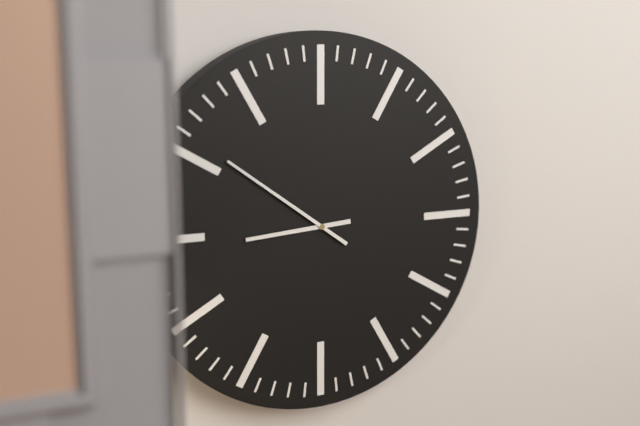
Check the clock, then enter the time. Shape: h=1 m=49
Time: h=8 m=51
